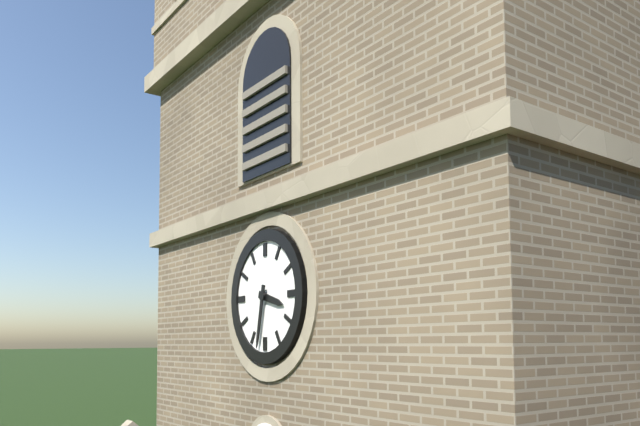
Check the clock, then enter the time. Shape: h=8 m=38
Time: h=3 m=32
